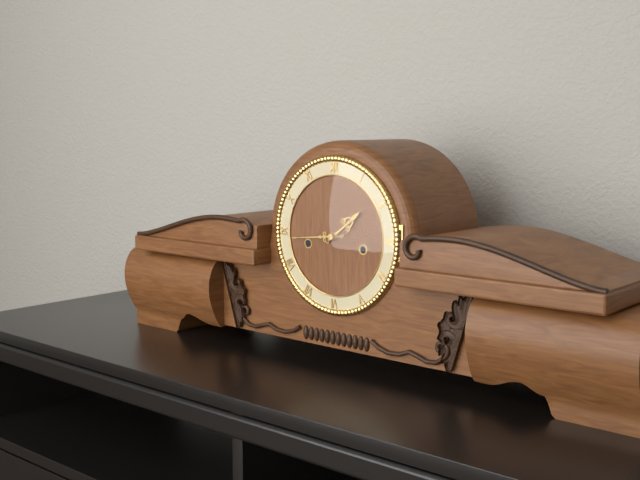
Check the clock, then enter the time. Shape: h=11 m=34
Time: h=1 m=44
